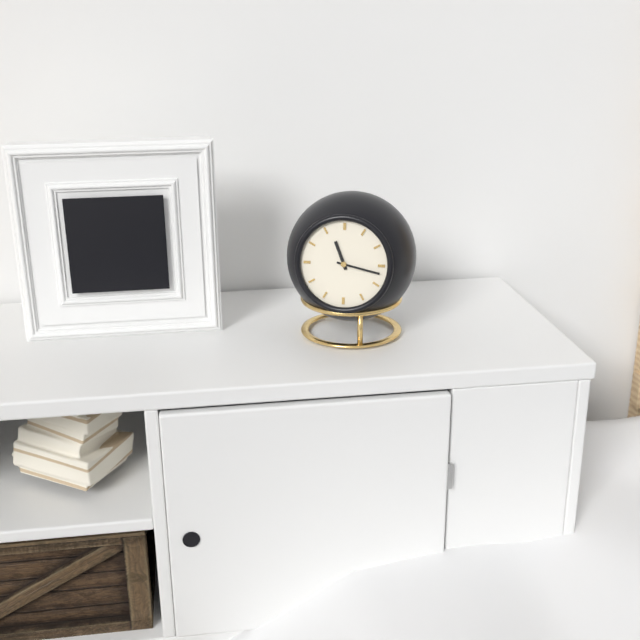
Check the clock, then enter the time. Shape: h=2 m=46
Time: h=11 m=17
